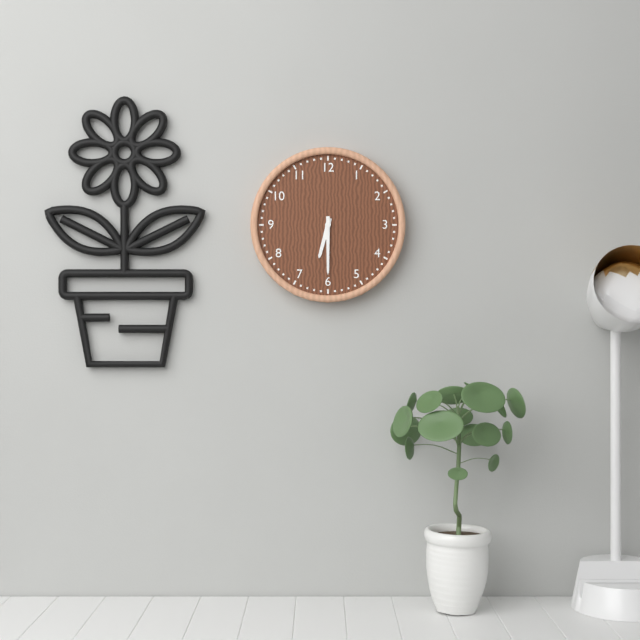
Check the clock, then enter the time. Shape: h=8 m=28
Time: h=6 m=30
